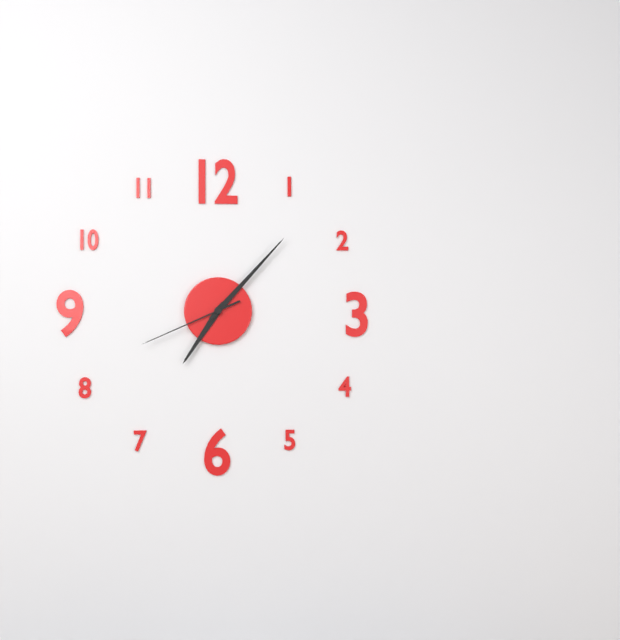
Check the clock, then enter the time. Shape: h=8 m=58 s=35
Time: h=7 m=7 s=41
